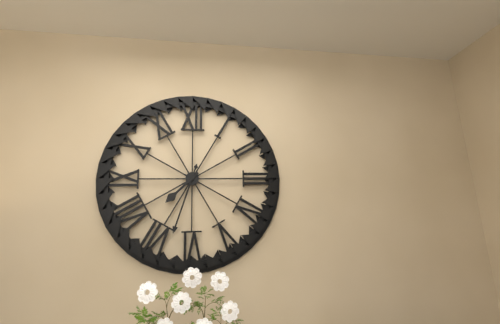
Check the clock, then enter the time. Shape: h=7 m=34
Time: h=7 m=33
